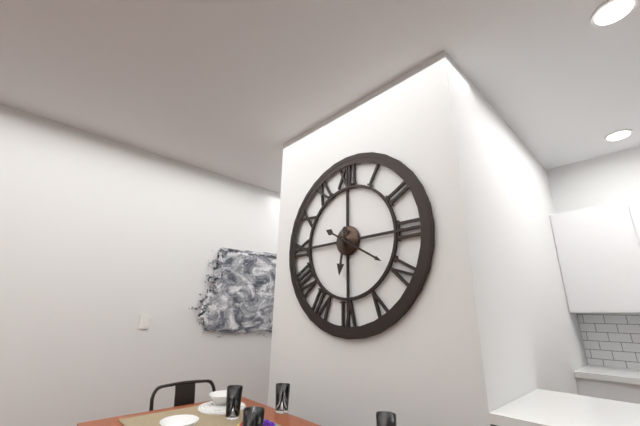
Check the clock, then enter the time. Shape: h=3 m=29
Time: h=6 m=20
